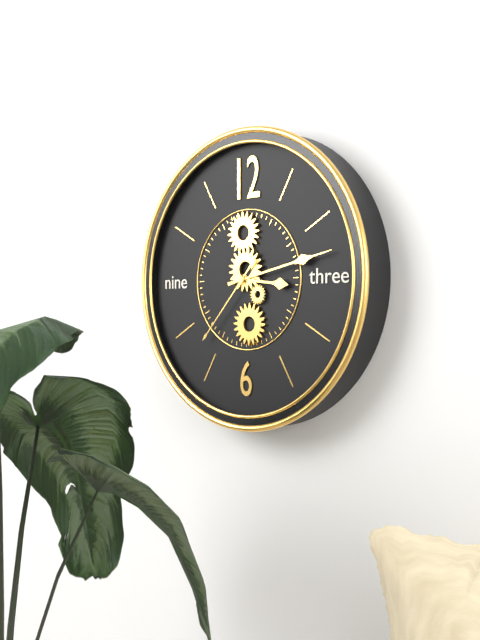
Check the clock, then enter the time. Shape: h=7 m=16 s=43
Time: h=3 m=13 s=37
